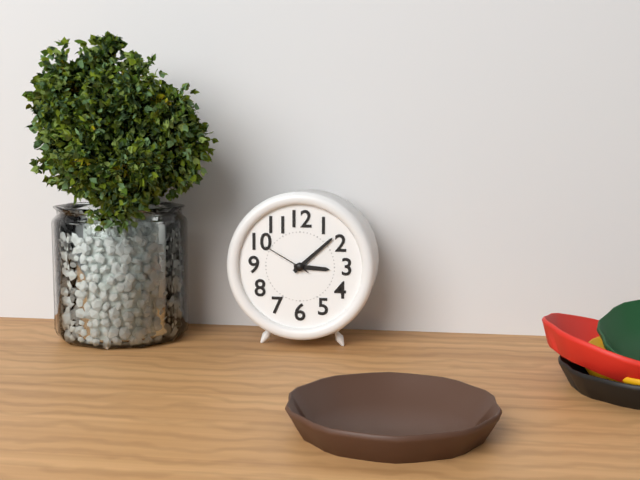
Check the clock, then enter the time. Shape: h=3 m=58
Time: h=3 m=8
